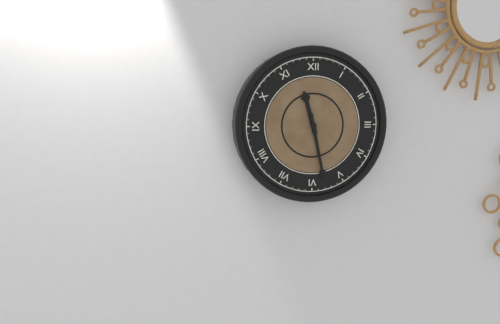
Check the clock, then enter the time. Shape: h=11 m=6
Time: h=11 m=28
